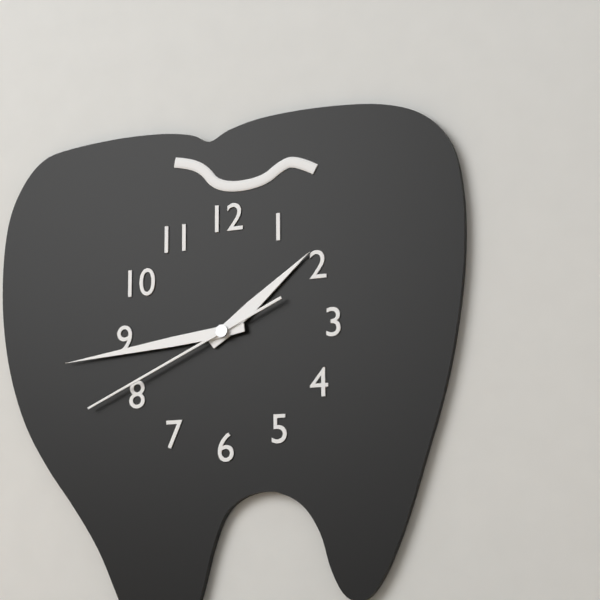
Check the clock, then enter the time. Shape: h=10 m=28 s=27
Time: h=1 m=44 s=41
